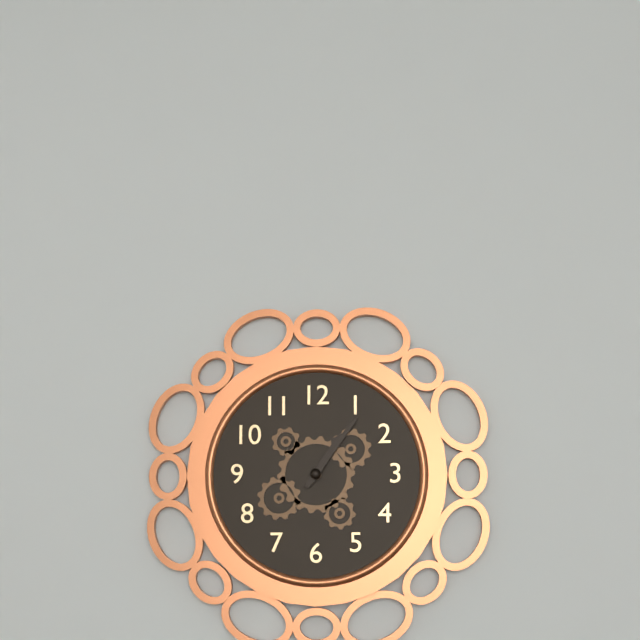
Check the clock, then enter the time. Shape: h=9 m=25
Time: h=1 m=6
